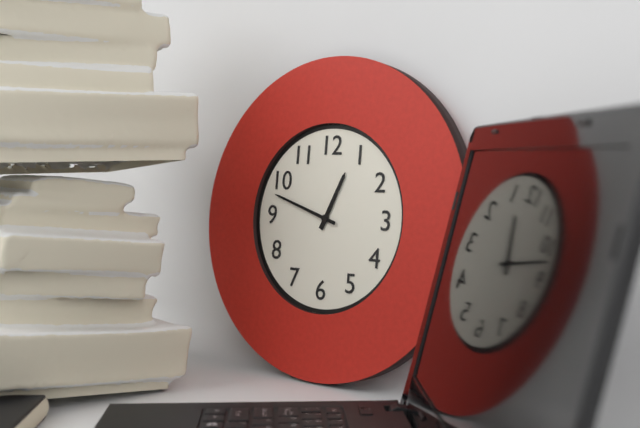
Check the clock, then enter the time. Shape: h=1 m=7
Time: h=12 m=48
